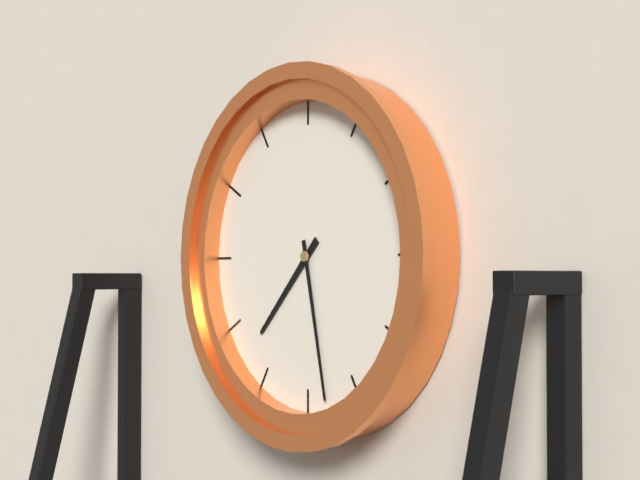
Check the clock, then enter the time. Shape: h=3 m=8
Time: h=7 m=28
